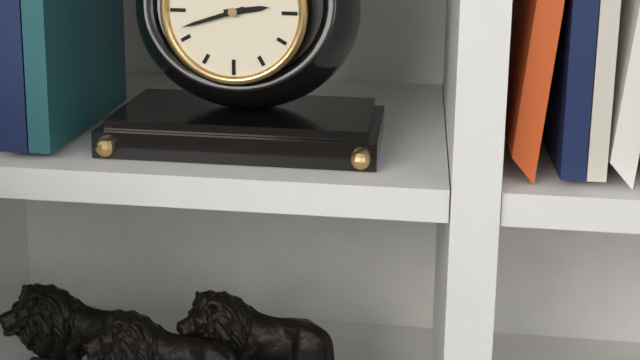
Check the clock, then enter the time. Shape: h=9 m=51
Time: h=2 m=42
